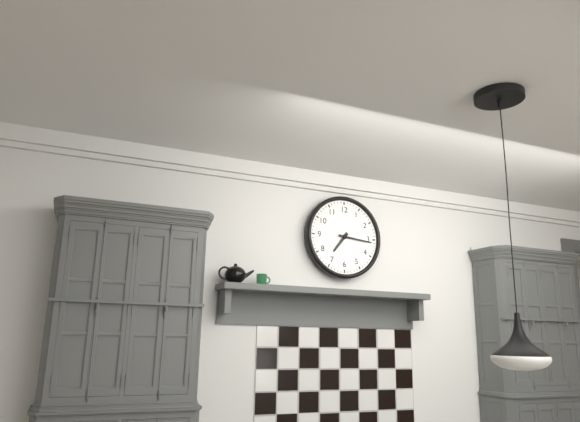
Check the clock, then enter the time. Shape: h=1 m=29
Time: h=7 m=16
